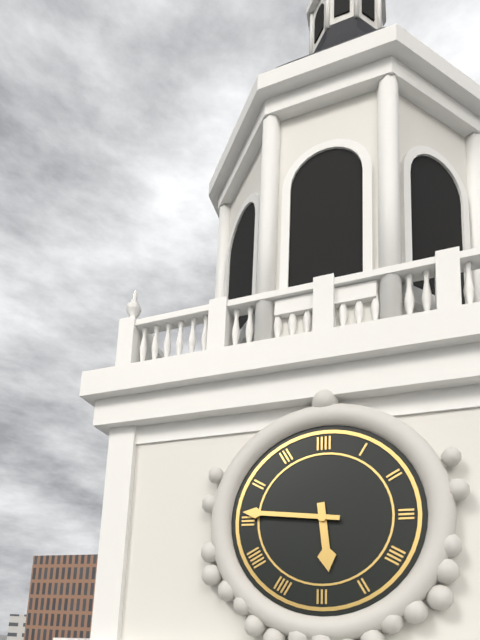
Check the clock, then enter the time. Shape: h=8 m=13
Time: h=5 m=46
